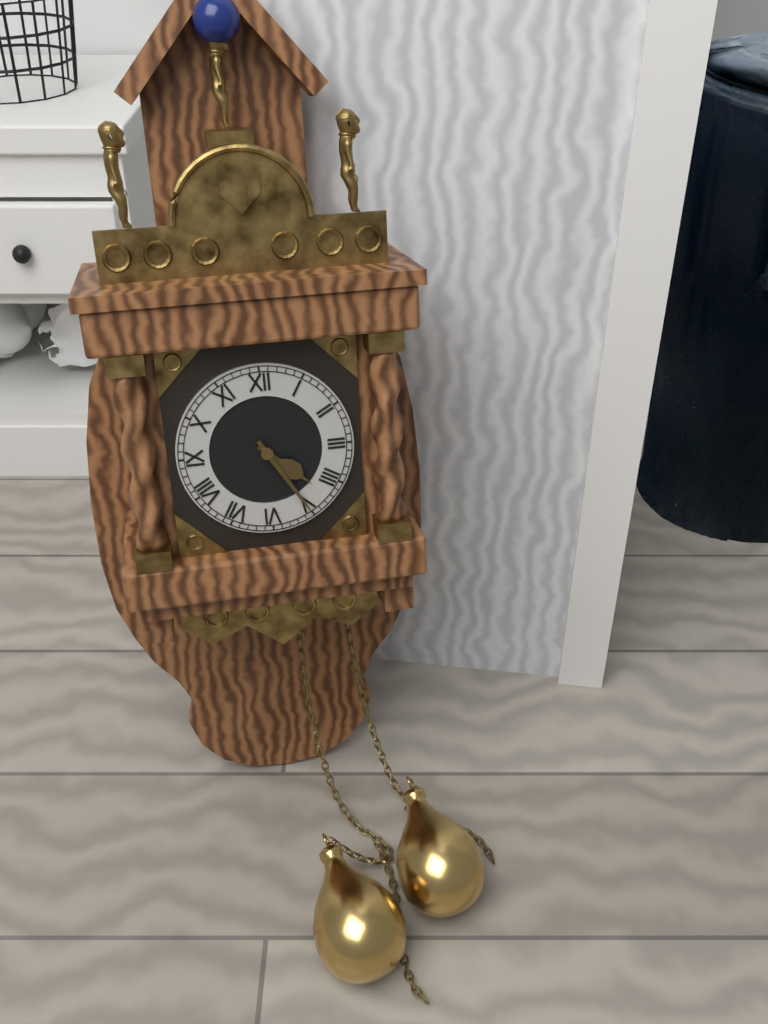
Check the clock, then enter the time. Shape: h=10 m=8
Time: h=4 m=25
